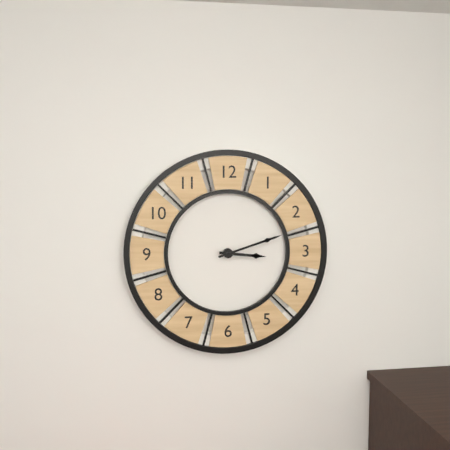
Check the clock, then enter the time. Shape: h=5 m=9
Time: h=3 m=12
